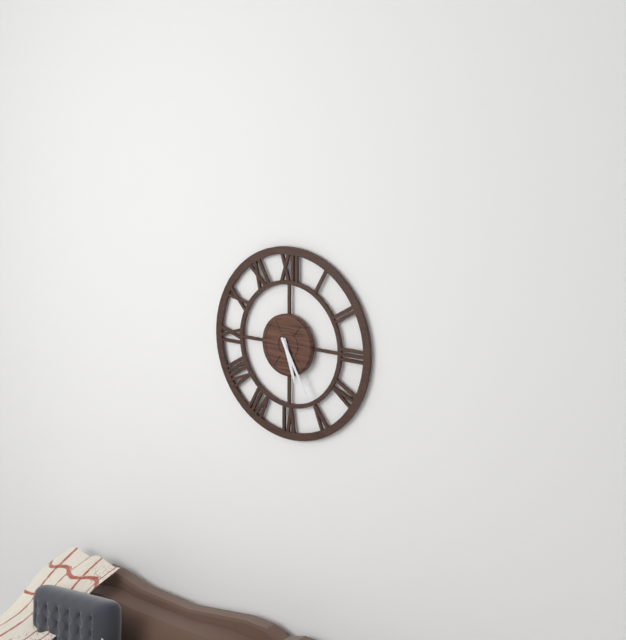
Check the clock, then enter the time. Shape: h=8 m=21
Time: h=5 m=25
